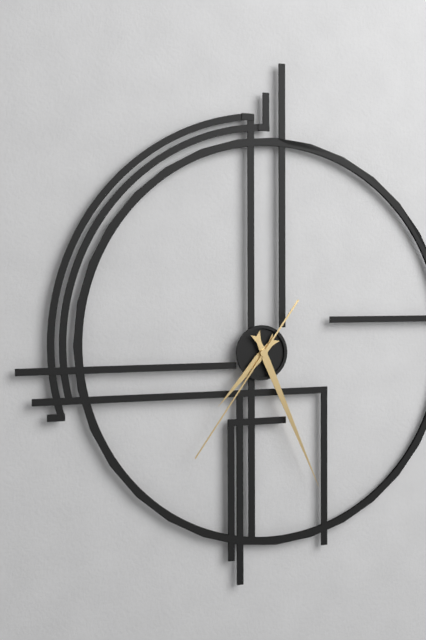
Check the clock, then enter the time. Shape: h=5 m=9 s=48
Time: h=7 m=26 s=36
